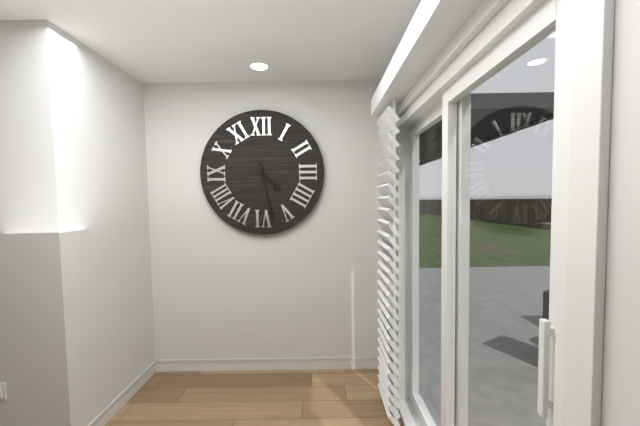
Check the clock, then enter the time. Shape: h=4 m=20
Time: h=4 m=28
